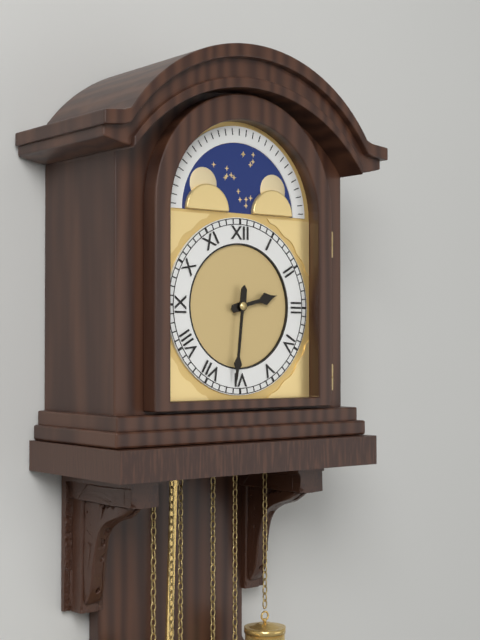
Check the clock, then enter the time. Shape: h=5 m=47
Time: h=2 m=31
